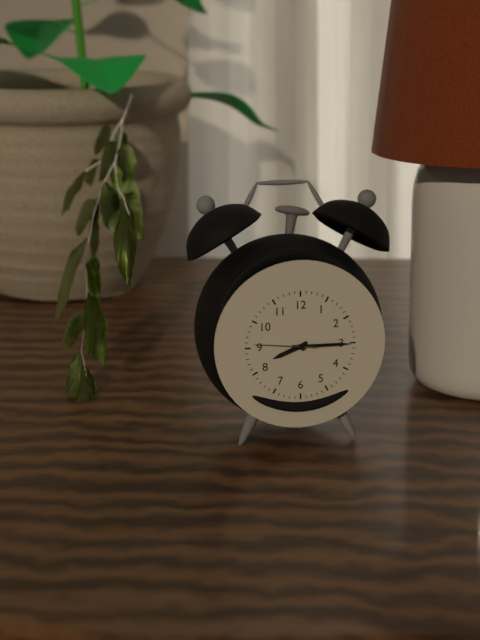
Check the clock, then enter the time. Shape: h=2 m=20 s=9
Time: h=8 m=15 s=46
